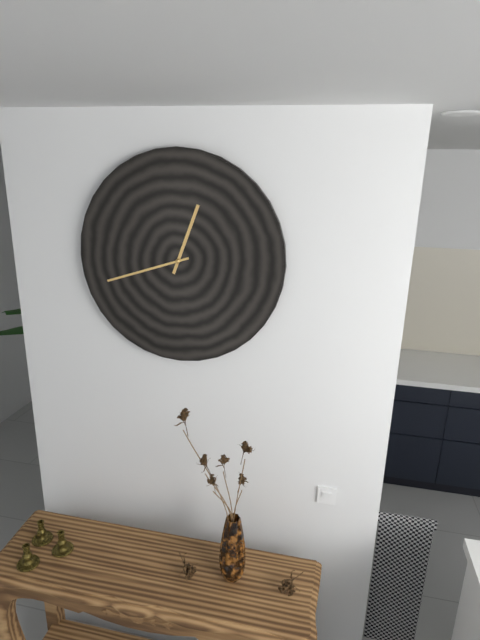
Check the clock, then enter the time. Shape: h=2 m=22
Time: h=12 m=42
